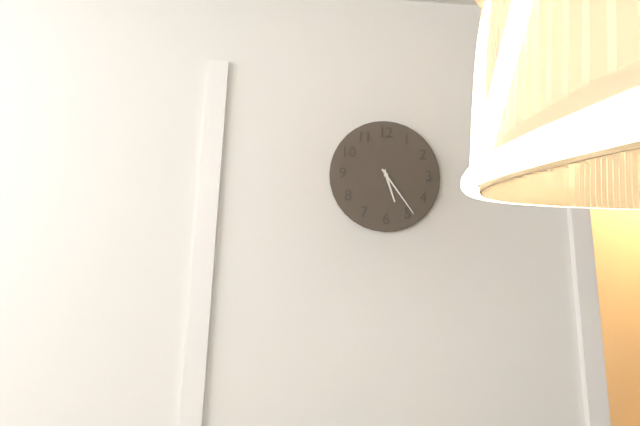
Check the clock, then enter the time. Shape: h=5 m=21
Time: h=5 m=24
